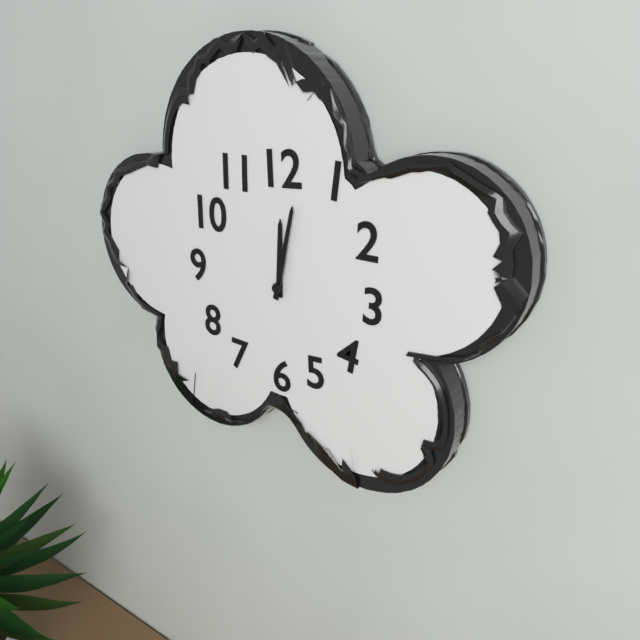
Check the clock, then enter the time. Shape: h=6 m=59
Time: h=12 m=2
